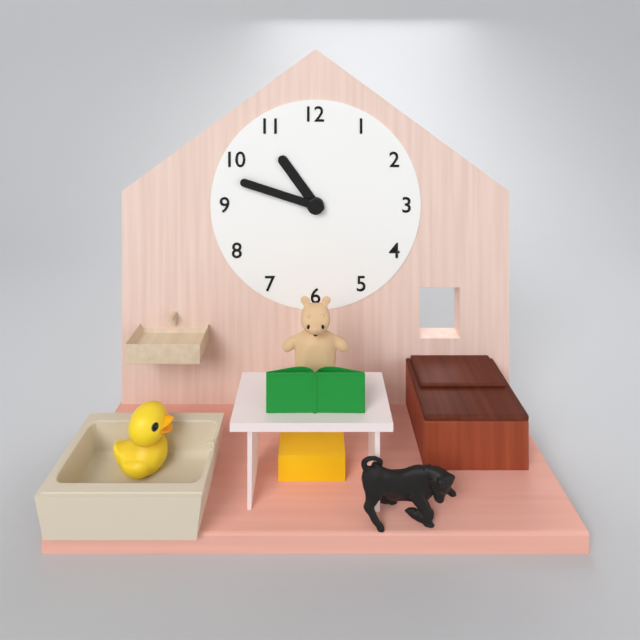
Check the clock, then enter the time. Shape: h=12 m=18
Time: h=10 m=48
